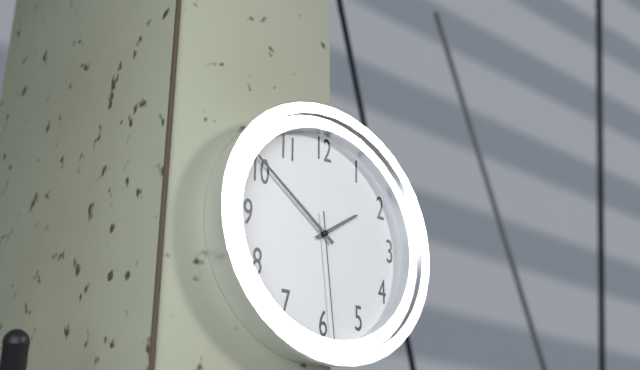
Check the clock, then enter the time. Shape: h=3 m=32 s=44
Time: h=1 m=51 s=29
